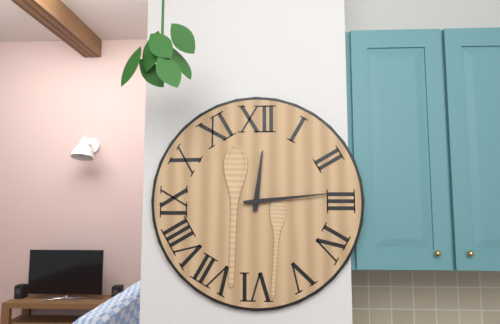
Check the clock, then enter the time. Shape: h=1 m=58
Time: h=12 m=14
